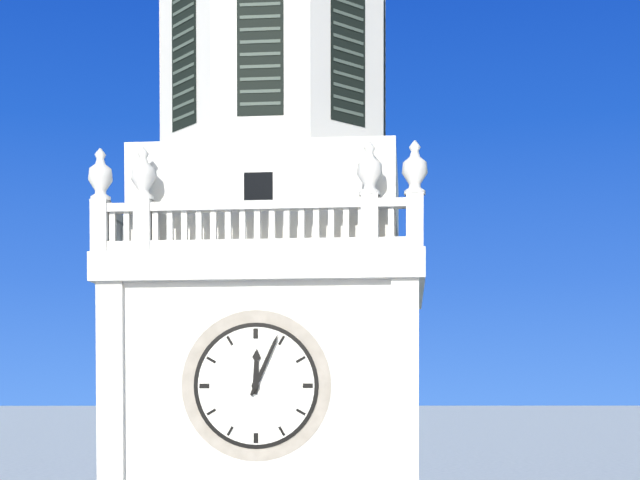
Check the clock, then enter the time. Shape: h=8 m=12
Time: h=12 m=4
